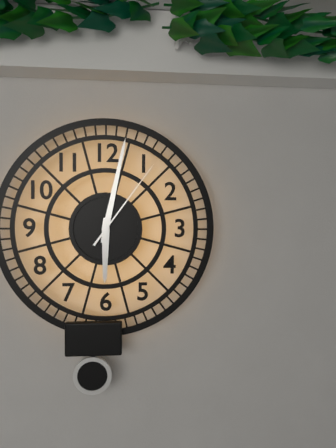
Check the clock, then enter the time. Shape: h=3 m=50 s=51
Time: h=6 m=2 s=6
